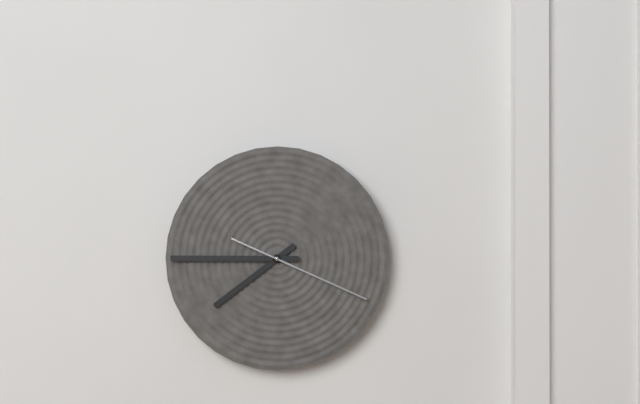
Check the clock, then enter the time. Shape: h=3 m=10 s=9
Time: h=7 m=45 s=19
